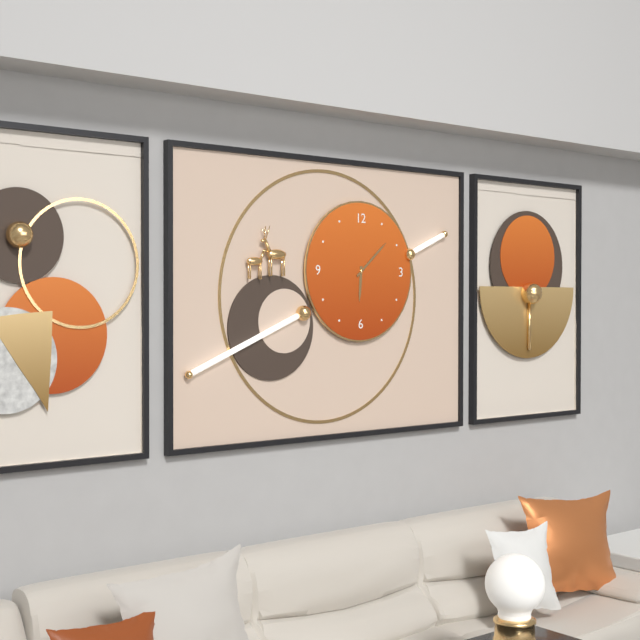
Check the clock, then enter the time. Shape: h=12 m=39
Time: h=6 m=8
